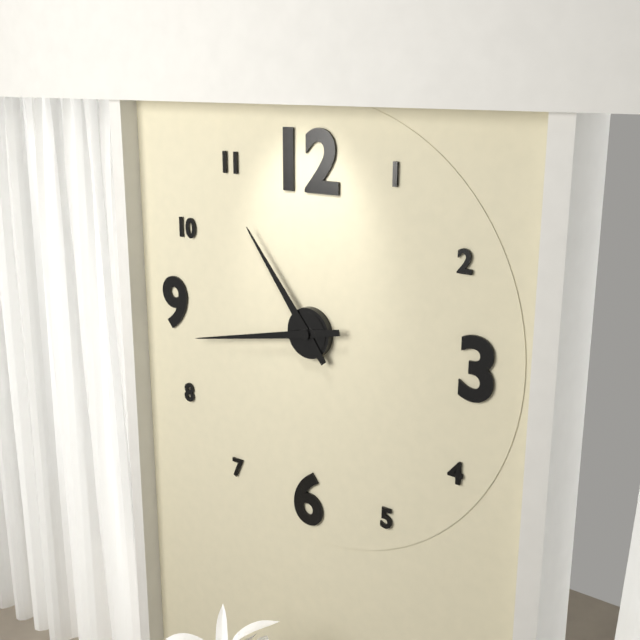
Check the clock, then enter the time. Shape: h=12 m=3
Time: h=10 m=43
